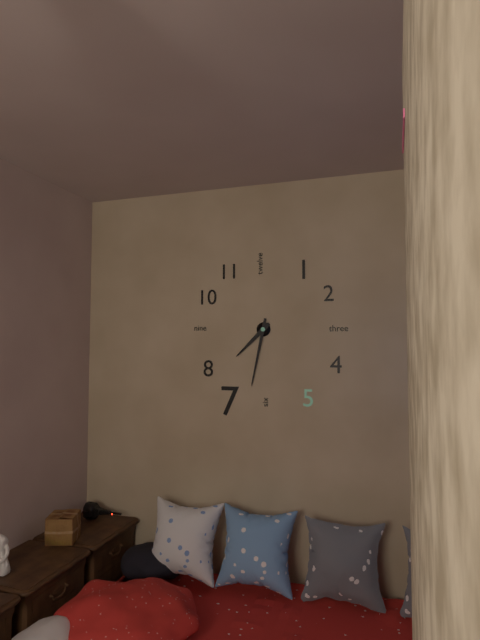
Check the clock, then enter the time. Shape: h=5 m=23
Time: h=7 m=32
